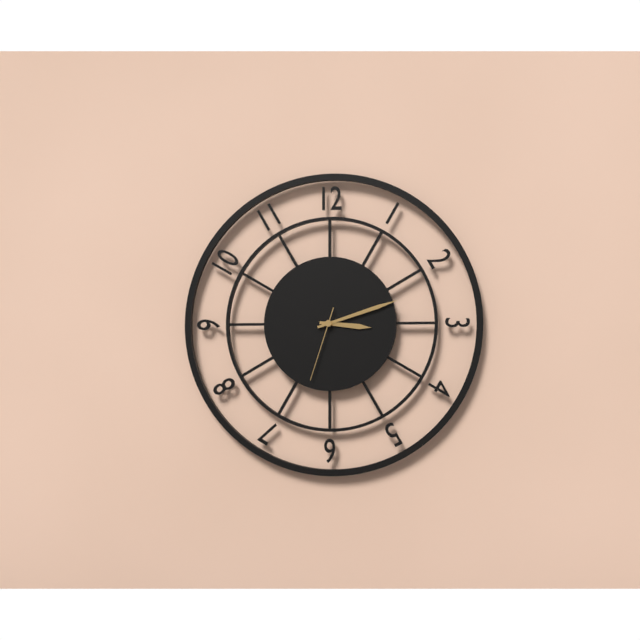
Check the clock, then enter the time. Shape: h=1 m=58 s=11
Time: h=3 m=12 s=33
